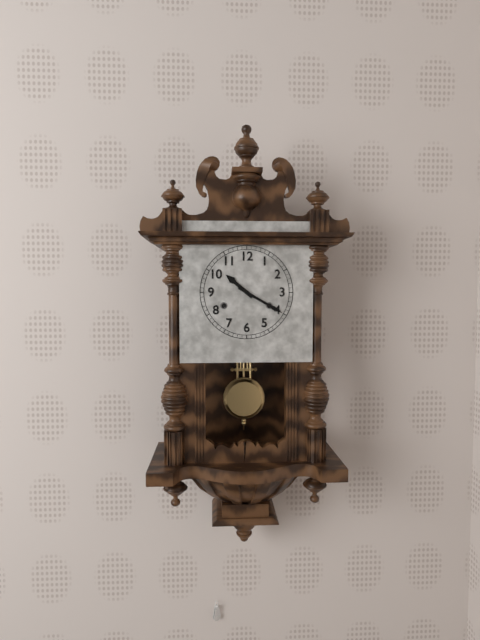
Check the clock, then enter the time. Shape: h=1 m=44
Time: h=10 m=20
